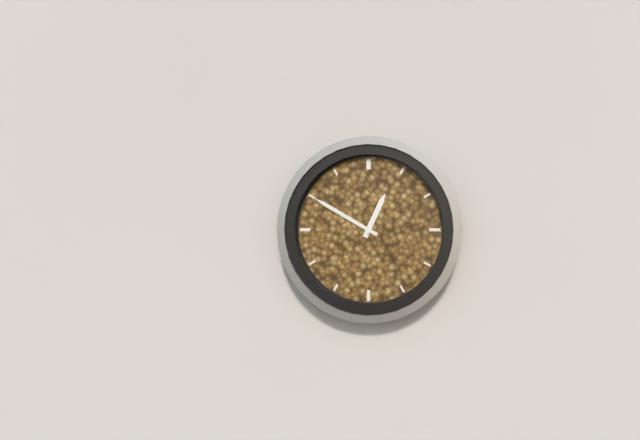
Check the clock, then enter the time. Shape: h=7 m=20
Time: h=12 m=50
